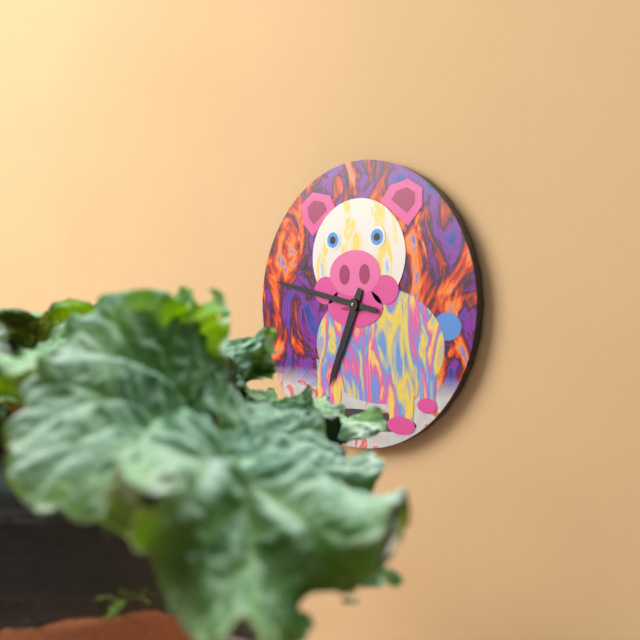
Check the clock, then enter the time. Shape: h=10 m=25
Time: h=6 m=47
